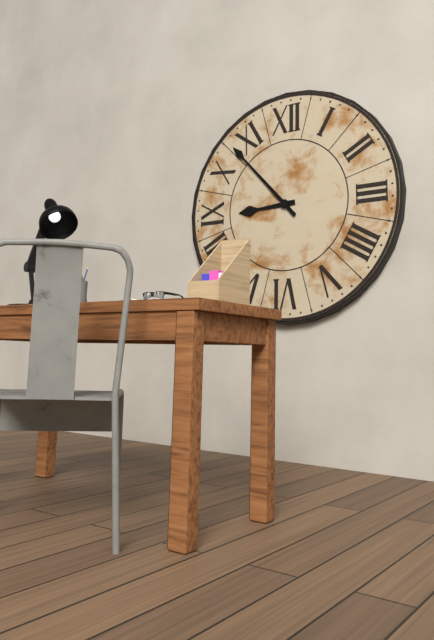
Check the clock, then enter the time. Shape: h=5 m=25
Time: h=8 m=53
